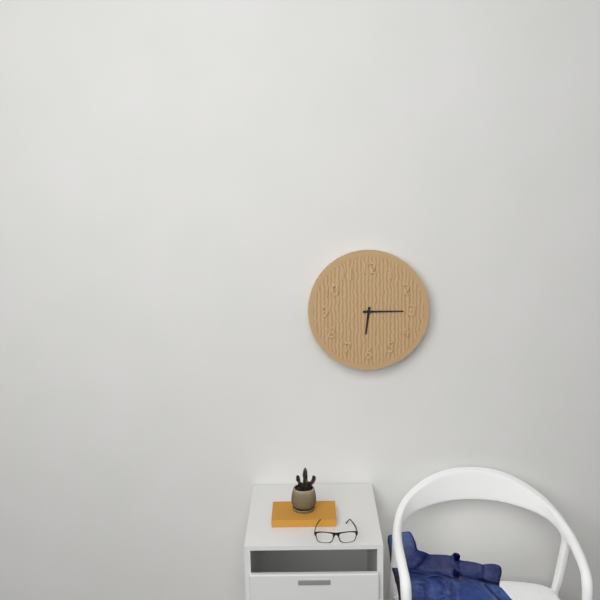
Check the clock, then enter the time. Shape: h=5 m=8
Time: h=6 m=15
